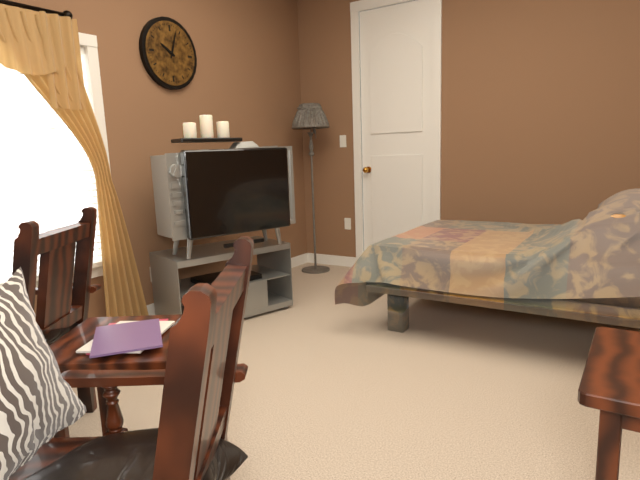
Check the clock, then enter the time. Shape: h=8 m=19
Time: h=10 m=3
